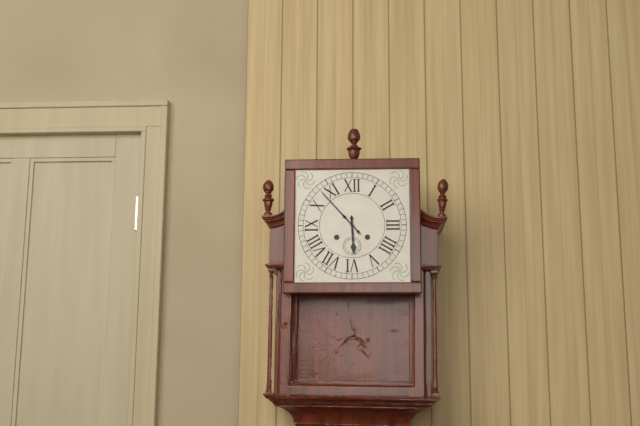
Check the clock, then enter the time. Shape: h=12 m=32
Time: h=5 m=53
